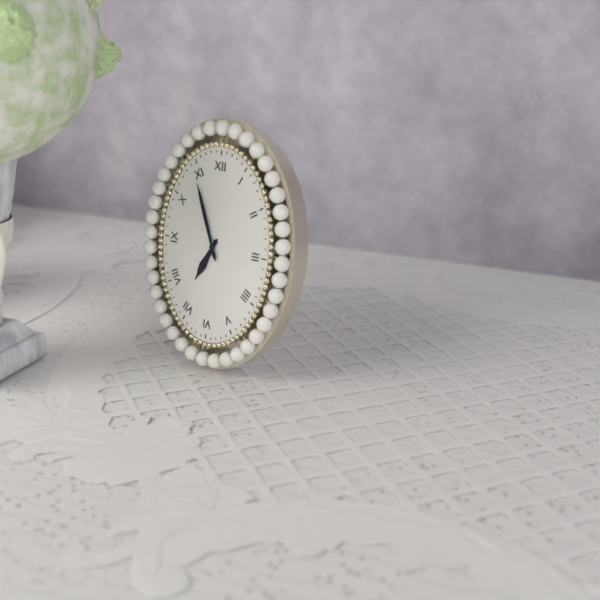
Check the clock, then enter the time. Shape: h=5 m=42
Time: h=6 m=56
